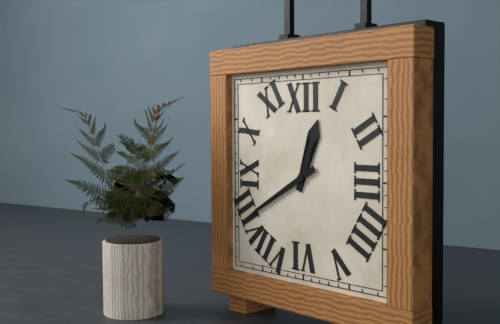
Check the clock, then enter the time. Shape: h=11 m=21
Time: h=12 m=40
